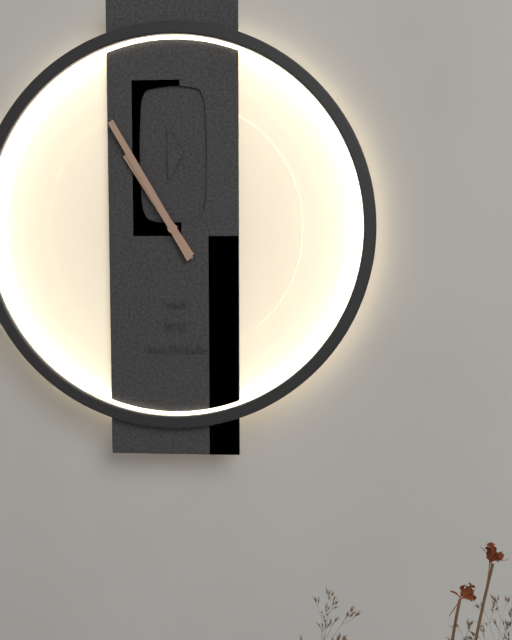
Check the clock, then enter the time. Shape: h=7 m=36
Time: h=10 m=55
